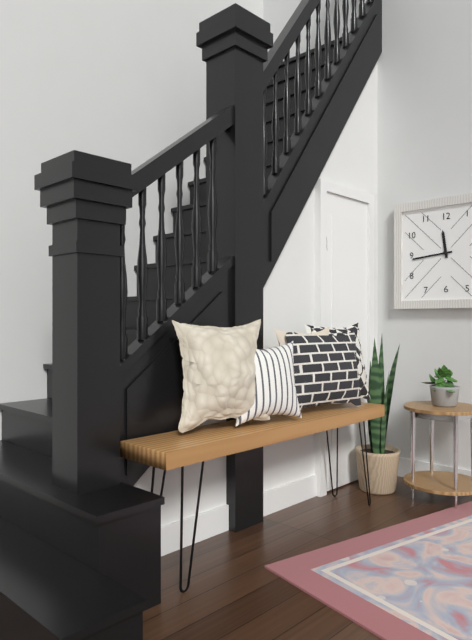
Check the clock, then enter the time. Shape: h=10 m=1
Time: h=11 m=44
